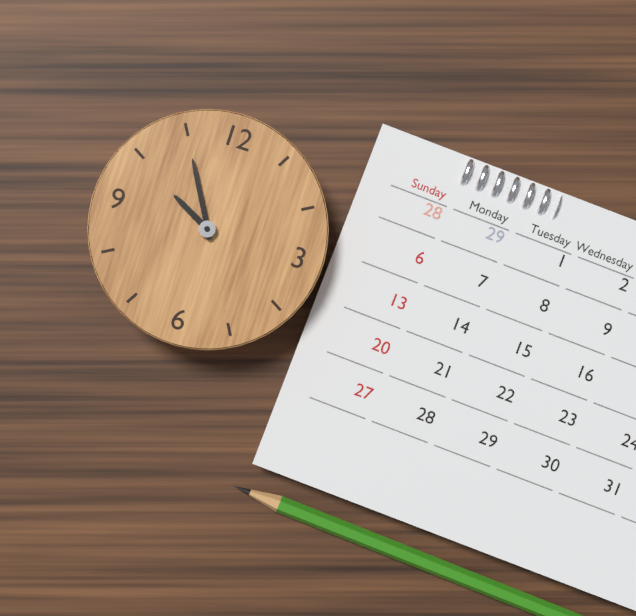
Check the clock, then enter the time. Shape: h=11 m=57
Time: h=9 m=55
